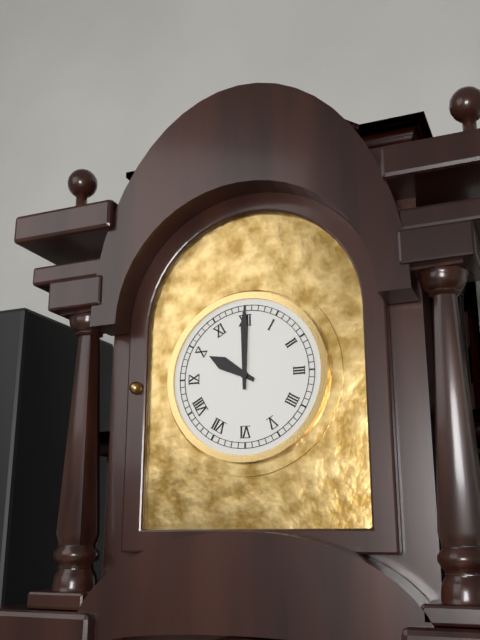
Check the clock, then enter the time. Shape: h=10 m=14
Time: h=10 m=0
